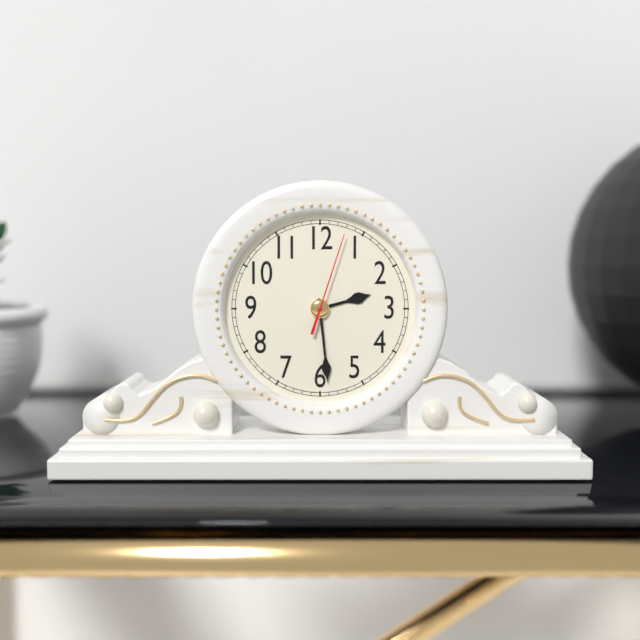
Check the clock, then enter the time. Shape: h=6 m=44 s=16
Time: h=2 m=29 s=3
